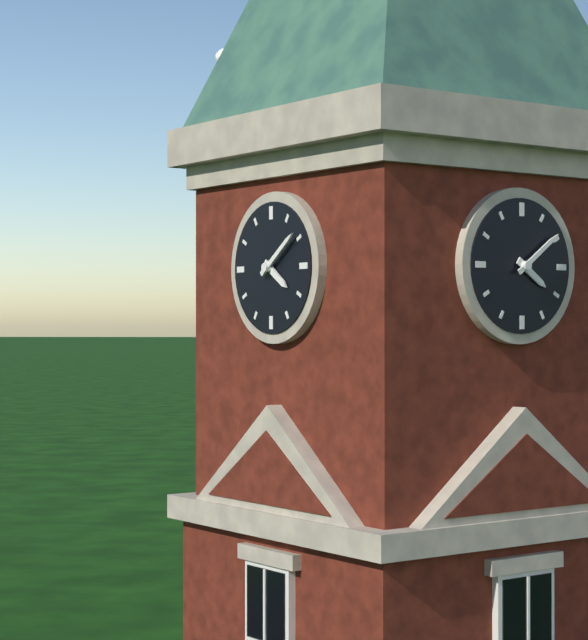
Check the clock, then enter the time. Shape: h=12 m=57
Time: h=4 m=9
